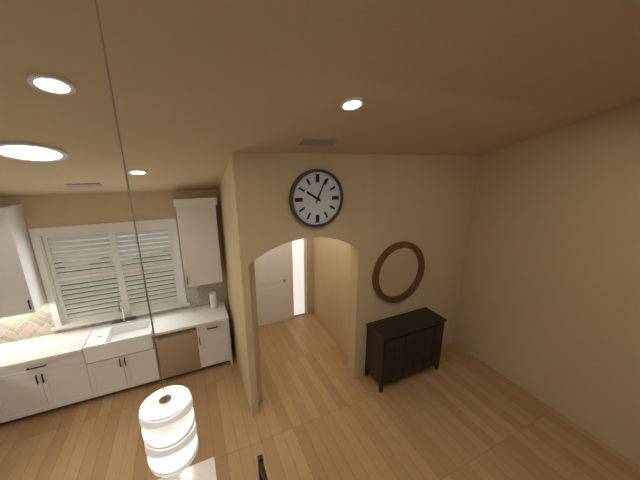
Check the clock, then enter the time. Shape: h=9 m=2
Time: h=10 m=4
